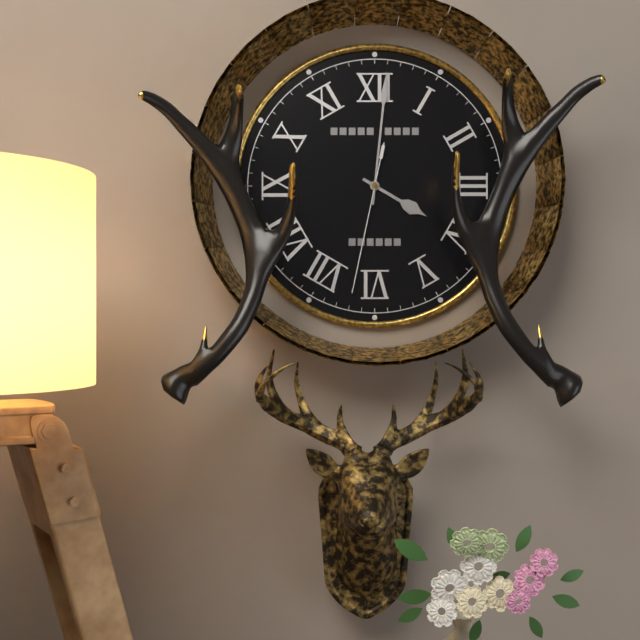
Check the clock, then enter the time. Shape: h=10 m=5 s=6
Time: h=4 m=1 s=32
